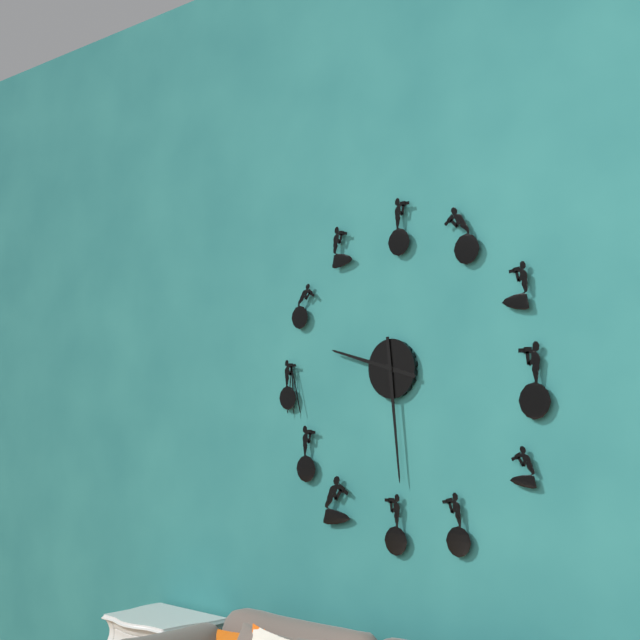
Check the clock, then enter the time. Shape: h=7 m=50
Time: h=9 m=29
